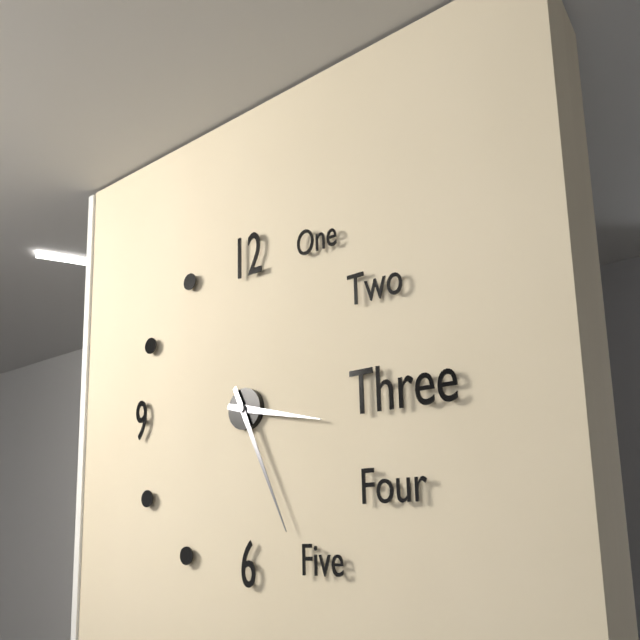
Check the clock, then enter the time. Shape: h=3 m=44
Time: h=3 m=26
